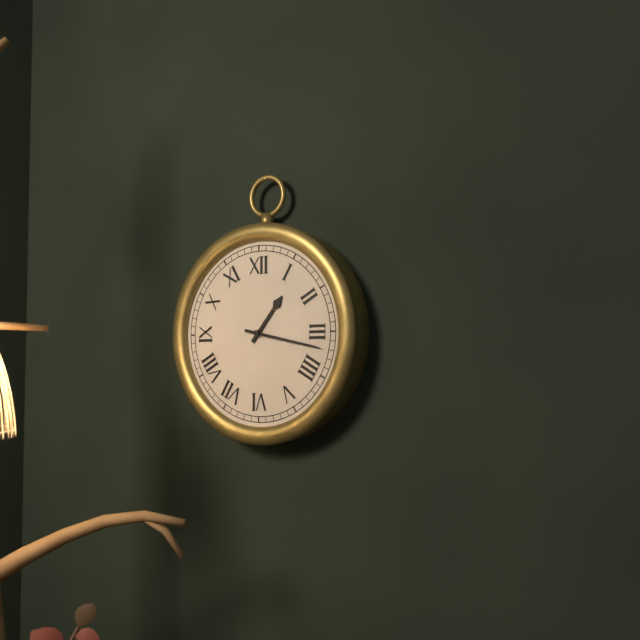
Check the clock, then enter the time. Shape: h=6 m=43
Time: h=1 m=17
